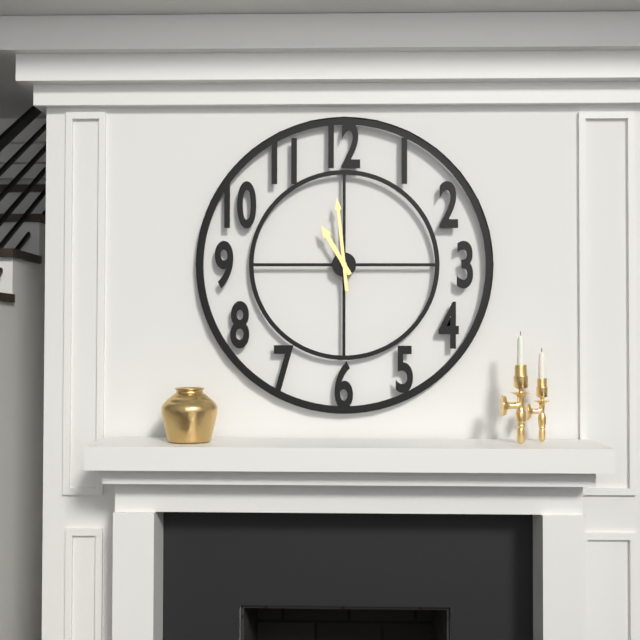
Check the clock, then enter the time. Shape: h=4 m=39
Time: h=10 m=59
